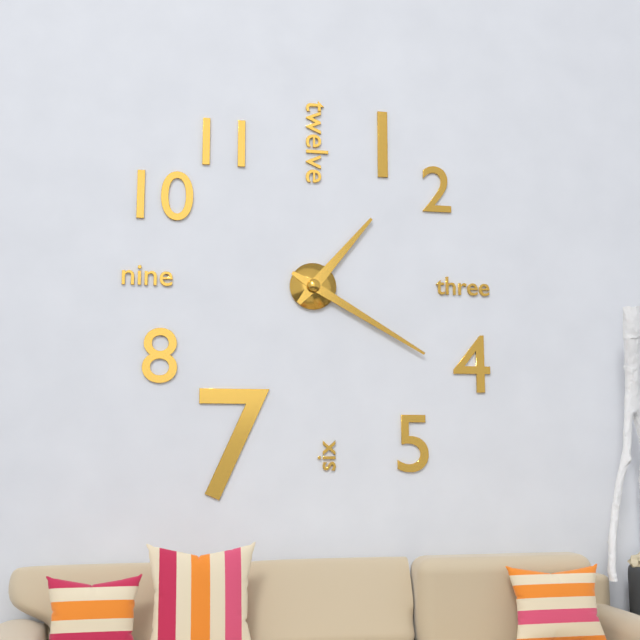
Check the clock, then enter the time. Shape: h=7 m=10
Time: h=1 m=20
